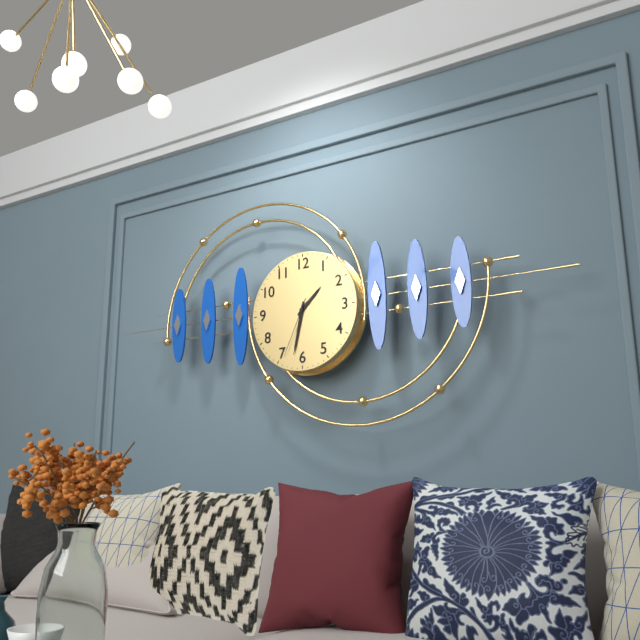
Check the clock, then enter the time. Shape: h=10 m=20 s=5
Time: h=1 m=32 s=34
